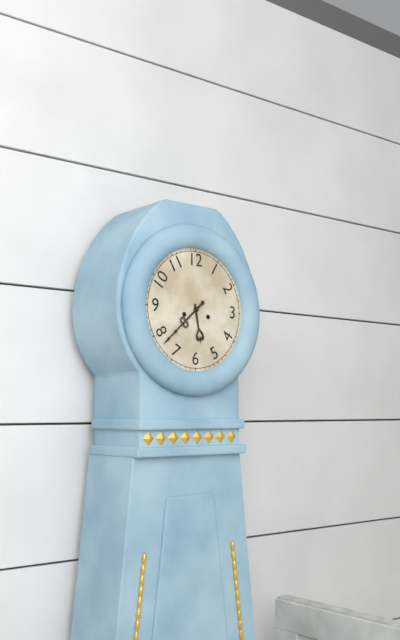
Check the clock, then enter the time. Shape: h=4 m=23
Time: h=5 m=38
